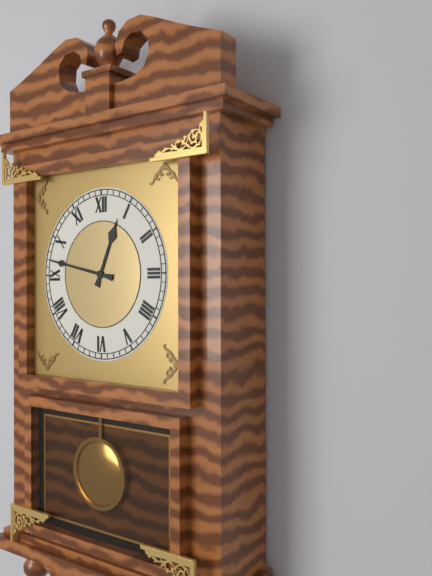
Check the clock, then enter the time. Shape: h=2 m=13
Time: h=12 m=47
